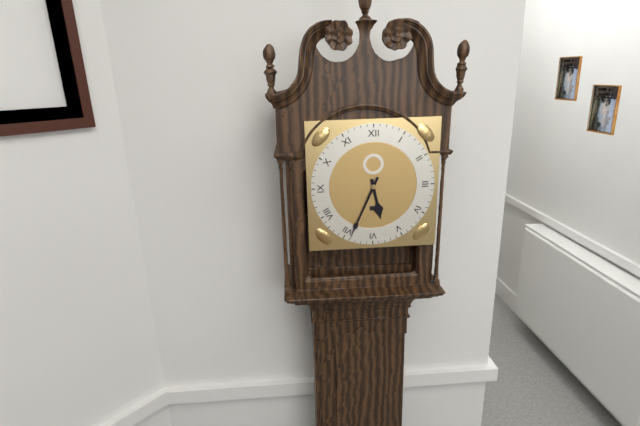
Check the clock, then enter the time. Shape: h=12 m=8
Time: h=5 m=34
